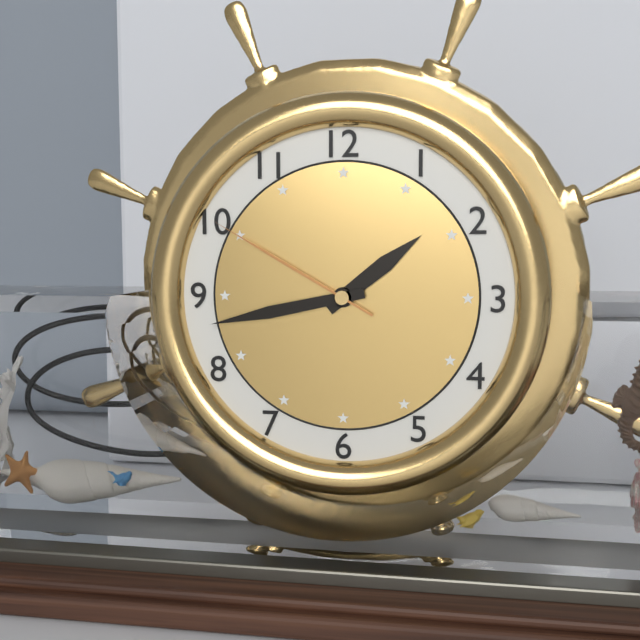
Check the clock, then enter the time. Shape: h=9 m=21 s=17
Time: h=1 m=43 s=50
